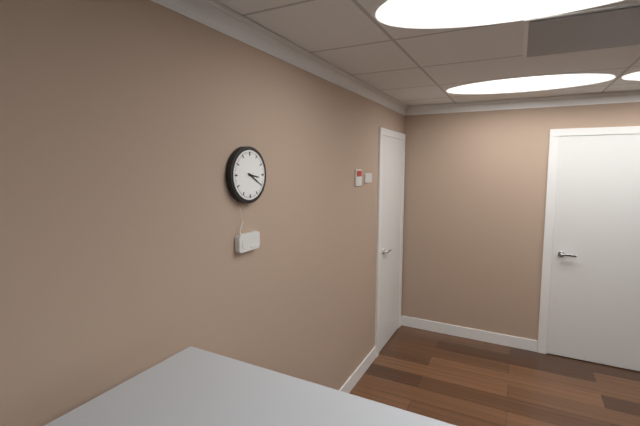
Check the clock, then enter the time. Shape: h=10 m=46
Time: h=3 m=20
